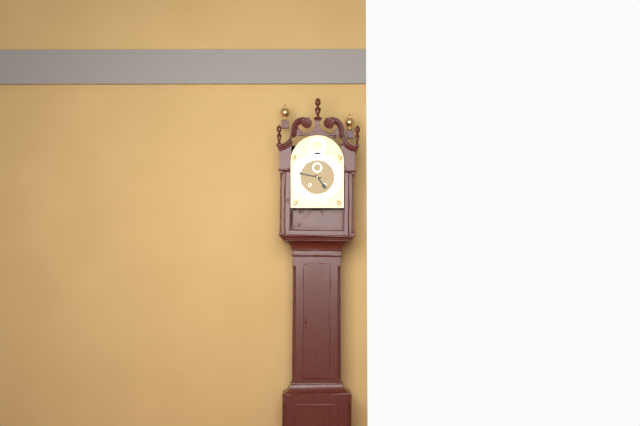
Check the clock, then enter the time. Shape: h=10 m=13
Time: h=4 m=47
